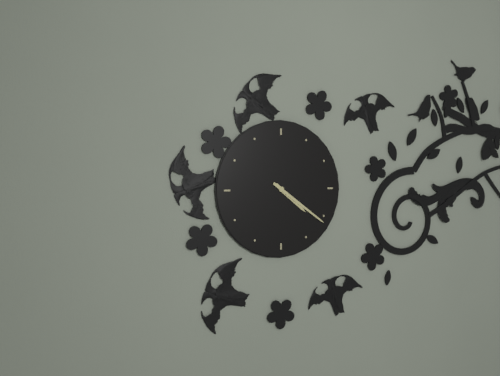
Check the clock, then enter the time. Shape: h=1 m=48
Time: h=4 m=21
